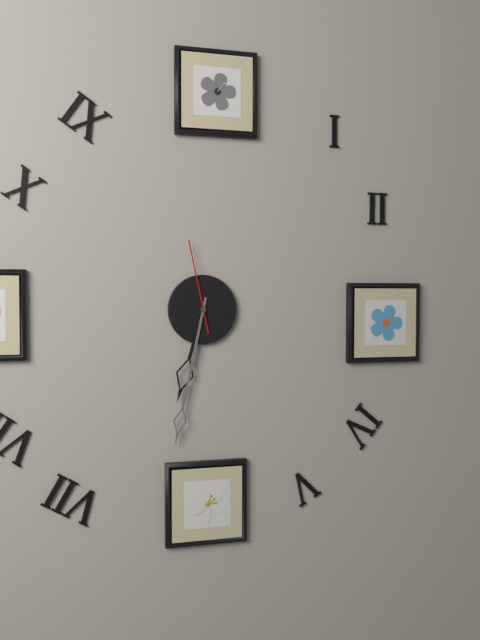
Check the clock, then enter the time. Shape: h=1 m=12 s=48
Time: h=6 m=32 s=58
